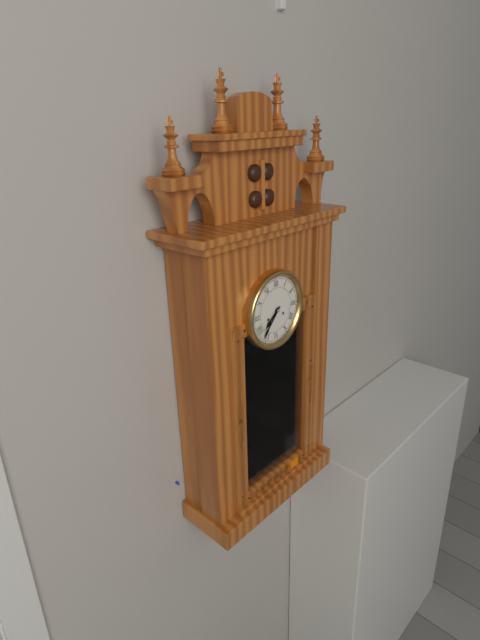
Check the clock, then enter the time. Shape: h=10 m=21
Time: h=7 m=37
